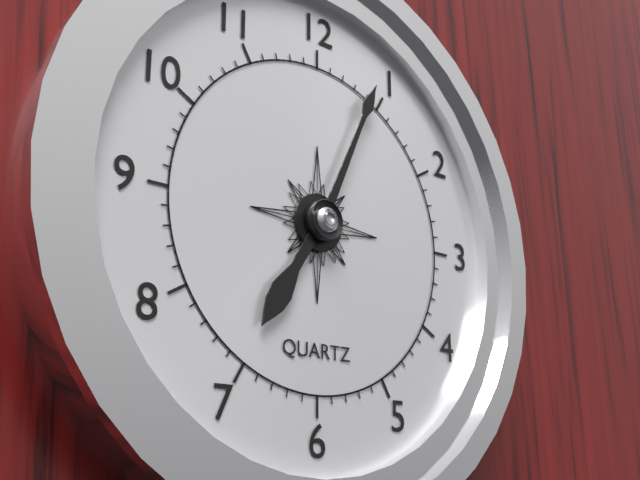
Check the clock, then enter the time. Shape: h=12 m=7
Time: h=7 m=4
